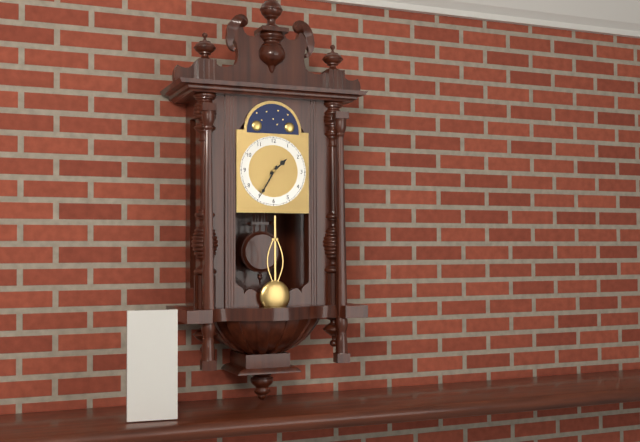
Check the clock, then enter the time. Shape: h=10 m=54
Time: h=1 m=35
